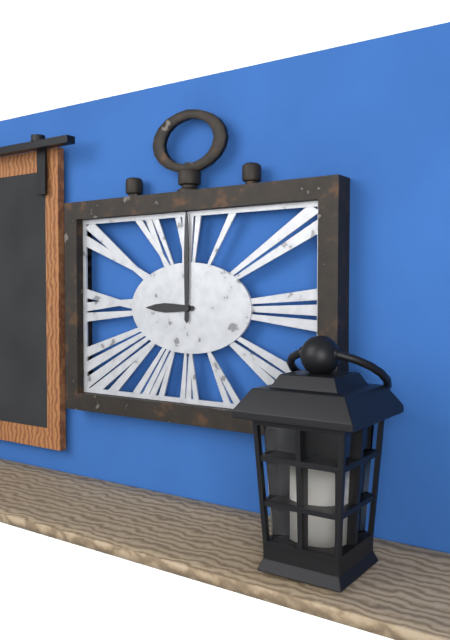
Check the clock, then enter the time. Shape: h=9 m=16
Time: h=9 m=0
